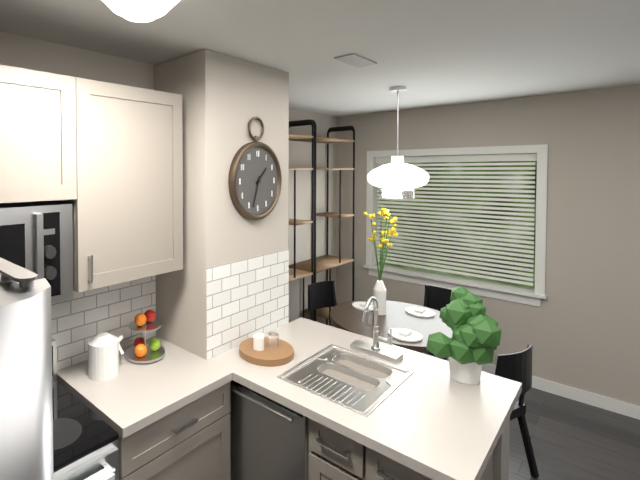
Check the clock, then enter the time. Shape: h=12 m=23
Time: h=1 m=33
